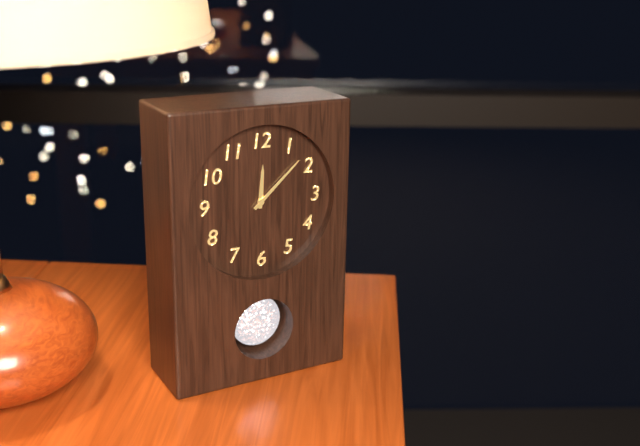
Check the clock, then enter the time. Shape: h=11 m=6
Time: h=12 m=8
